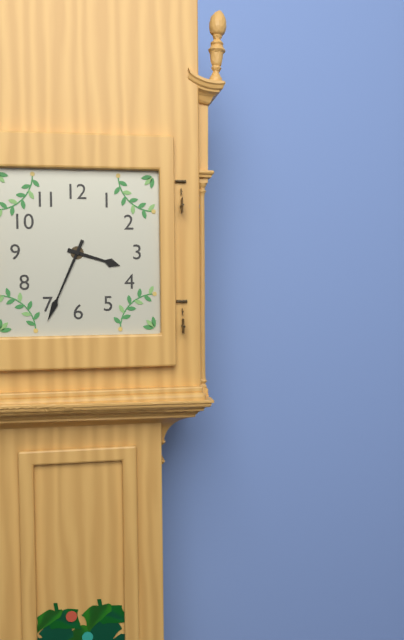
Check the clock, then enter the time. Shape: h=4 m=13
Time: h=3 m=34
